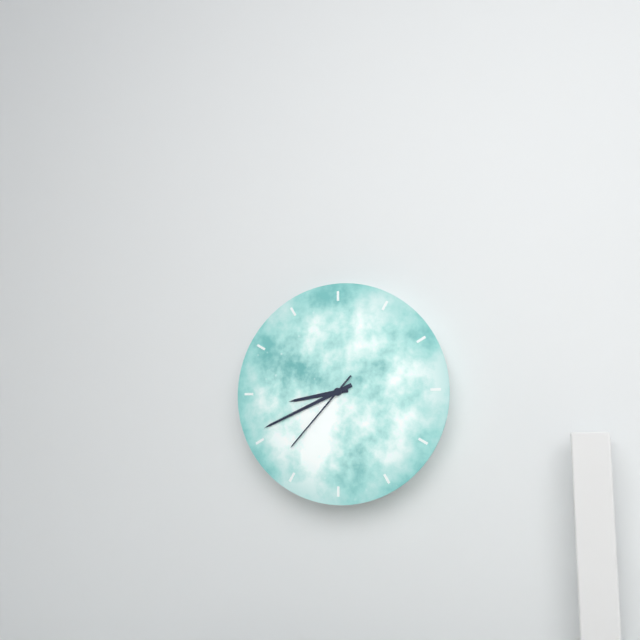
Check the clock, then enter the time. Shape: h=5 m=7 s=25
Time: h=8 m=41 s=37
